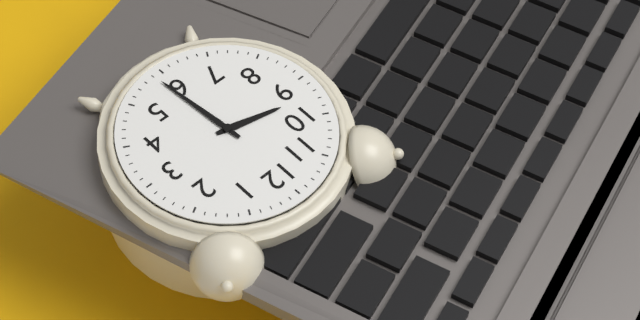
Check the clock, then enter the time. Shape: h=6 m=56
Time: h=9 m=29
